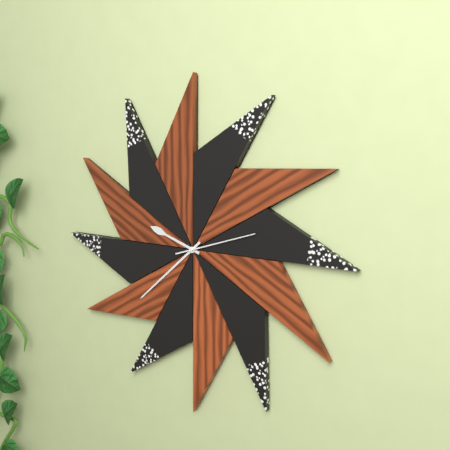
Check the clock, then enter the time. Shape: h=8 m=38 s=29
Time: h=9 m=38 s=12
